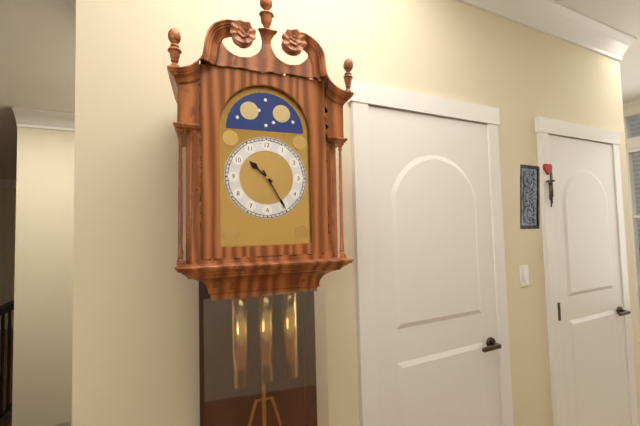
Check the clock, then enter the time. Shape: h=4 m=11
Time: h=10 m=25
